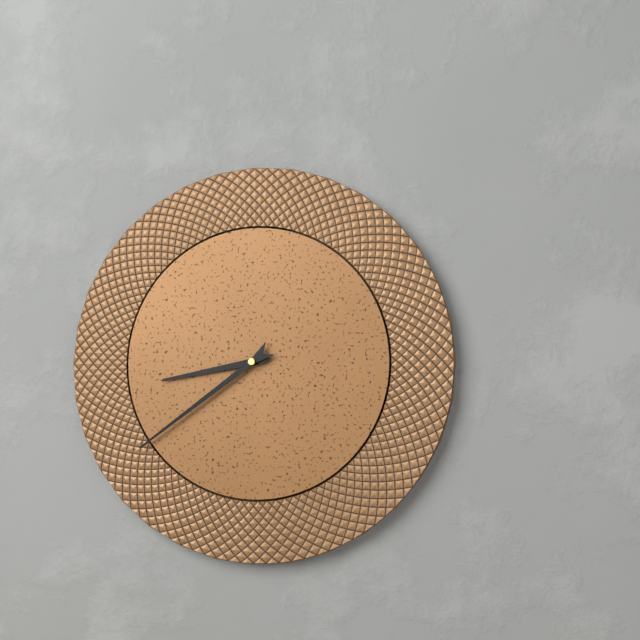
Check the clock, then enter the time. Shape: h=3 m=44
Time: h=8 m=39
